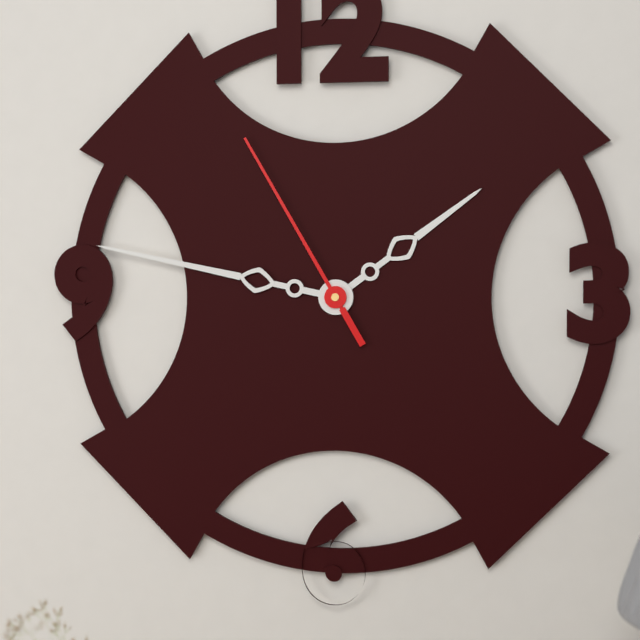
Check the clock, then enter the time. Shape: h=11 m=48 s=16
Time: h=1 m=47 s=55
